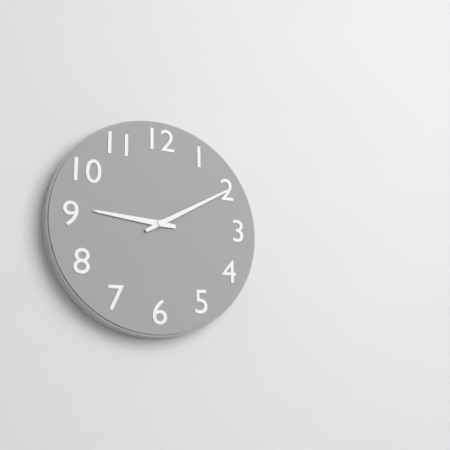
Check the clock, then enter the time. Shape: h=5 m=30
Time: h=9 m=10
